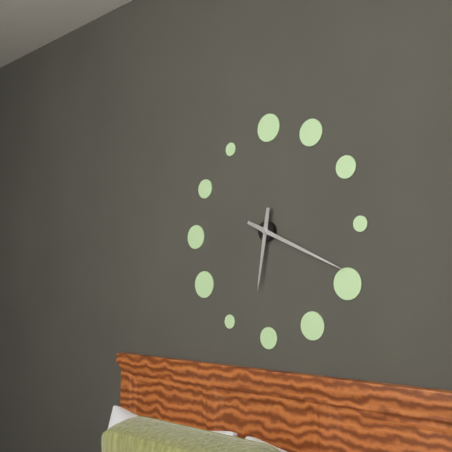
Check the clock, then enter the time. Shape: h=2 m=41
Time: h=6 m=19
